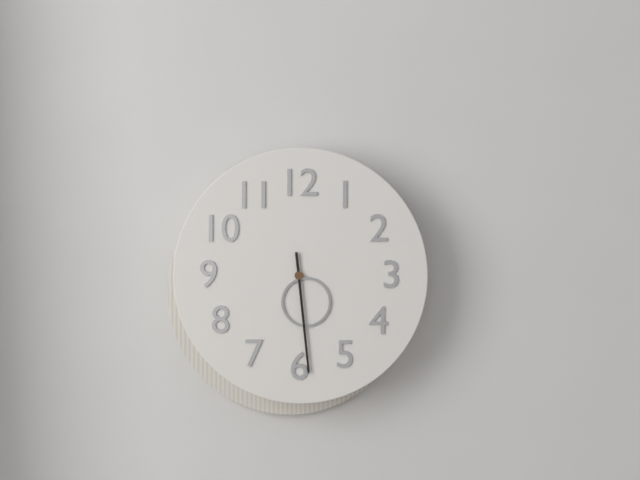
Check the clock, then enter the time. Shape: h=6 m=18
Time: h=5 m=29
